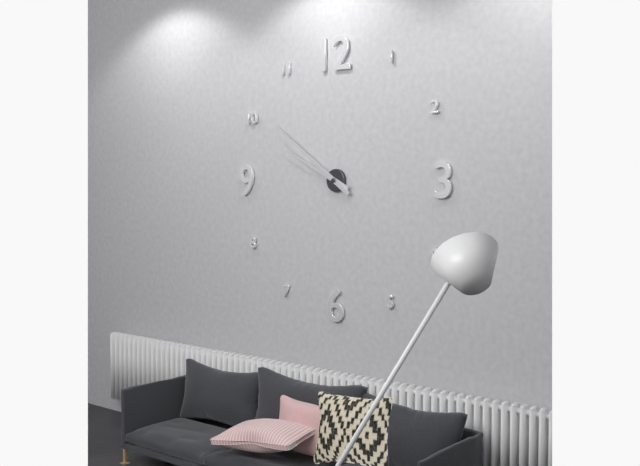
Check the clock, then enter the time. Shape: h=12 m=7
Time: h=9 m=51
